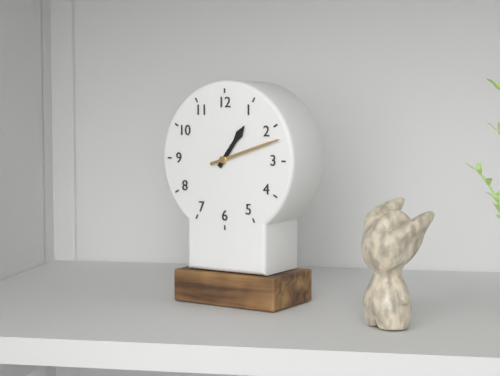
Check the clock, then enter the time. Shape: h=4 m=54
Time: h=1 m=12
